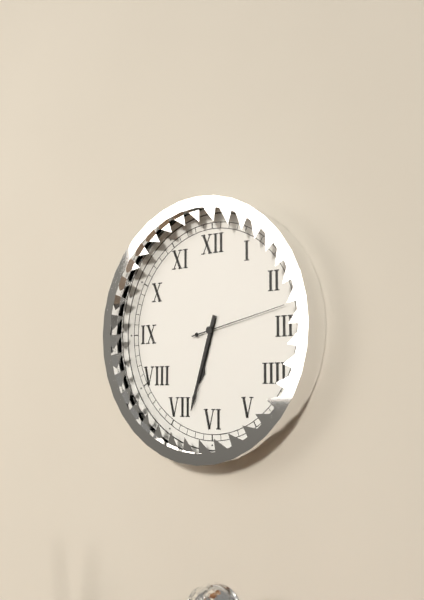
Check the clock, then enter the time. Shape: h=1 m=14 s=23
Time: h=6 m=33 s=13
